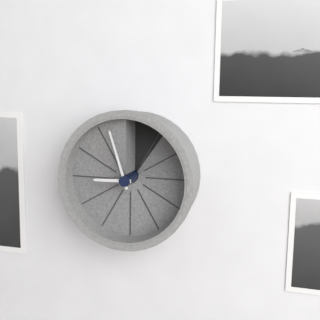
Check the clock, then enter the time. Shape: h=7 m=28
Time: h=8 m=57
